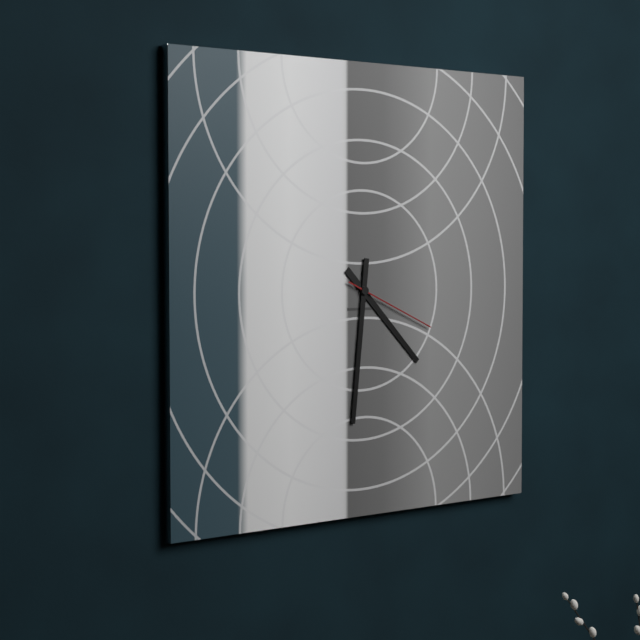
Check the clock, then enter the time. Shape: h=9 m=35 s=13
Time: h=4 m=31 s=19
